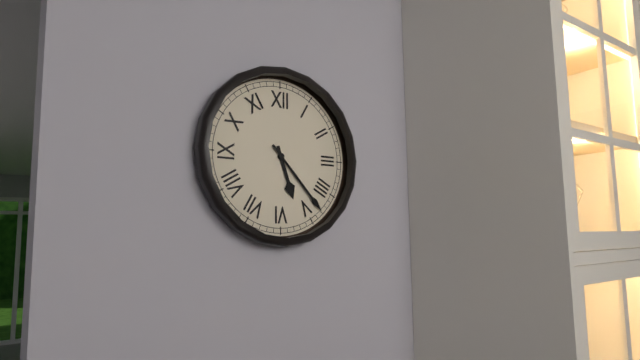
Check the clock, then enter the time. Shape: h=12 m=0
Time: h=5 m=23
